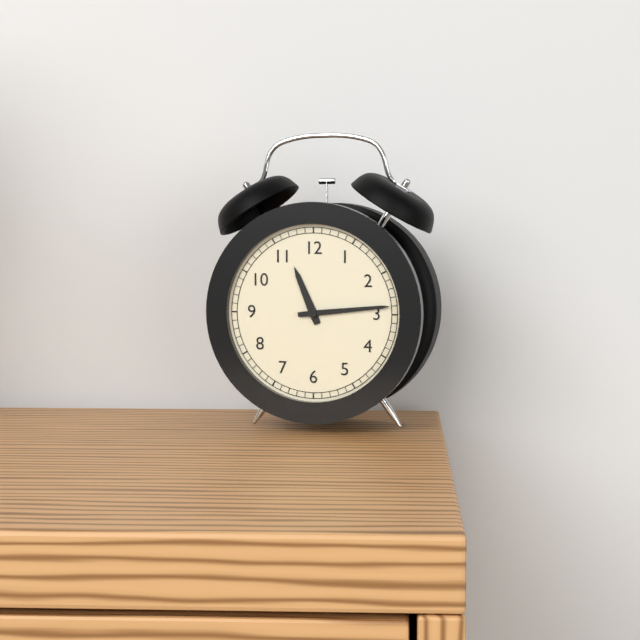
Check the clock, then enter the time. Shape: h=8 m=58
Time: h=11 m=14
